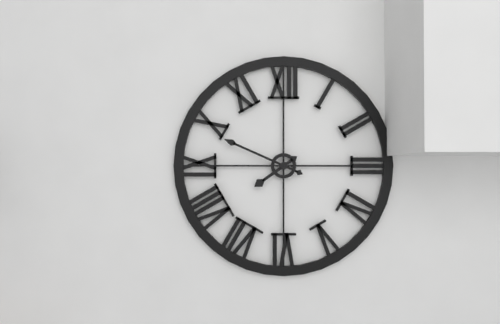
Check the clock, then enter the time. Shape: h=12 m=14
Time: h=7 m=49
